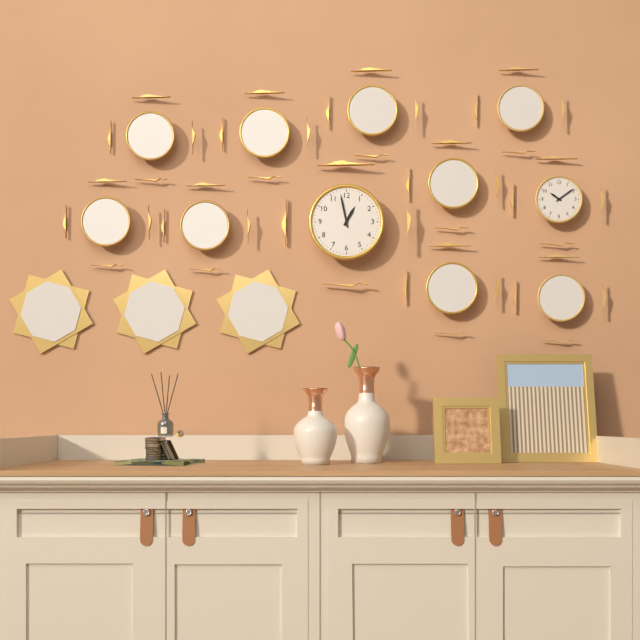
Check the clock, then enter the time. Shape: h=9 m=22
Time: h=12 m=58
